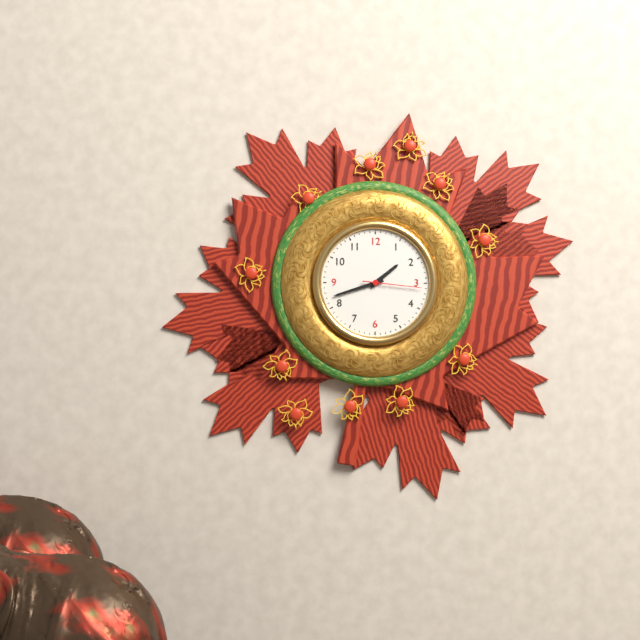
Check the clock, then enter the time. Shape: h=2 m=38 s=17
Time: h=1 m=42 s=16
